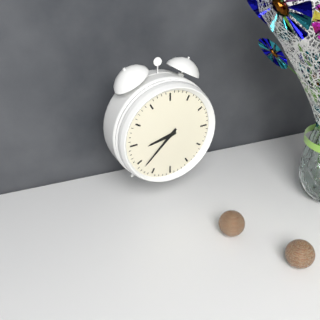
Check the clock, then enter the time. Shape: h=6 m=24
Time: h=8 m=38
